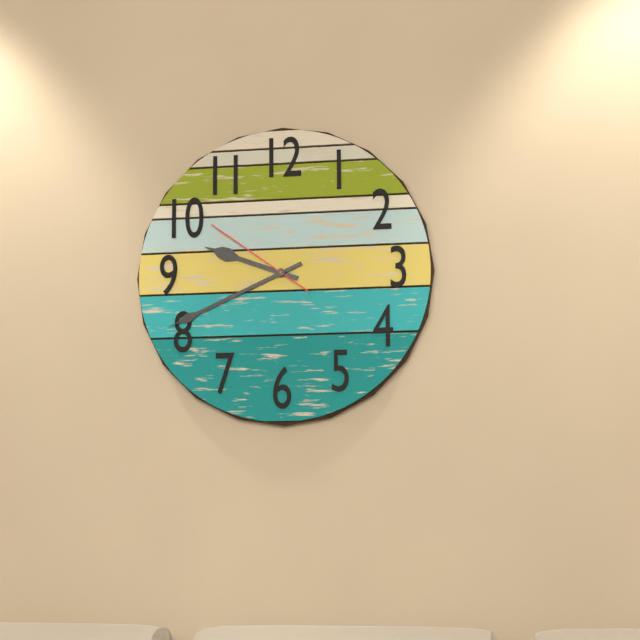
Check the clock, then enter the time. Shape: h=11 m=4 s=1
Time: h=9 m=41 s=51
